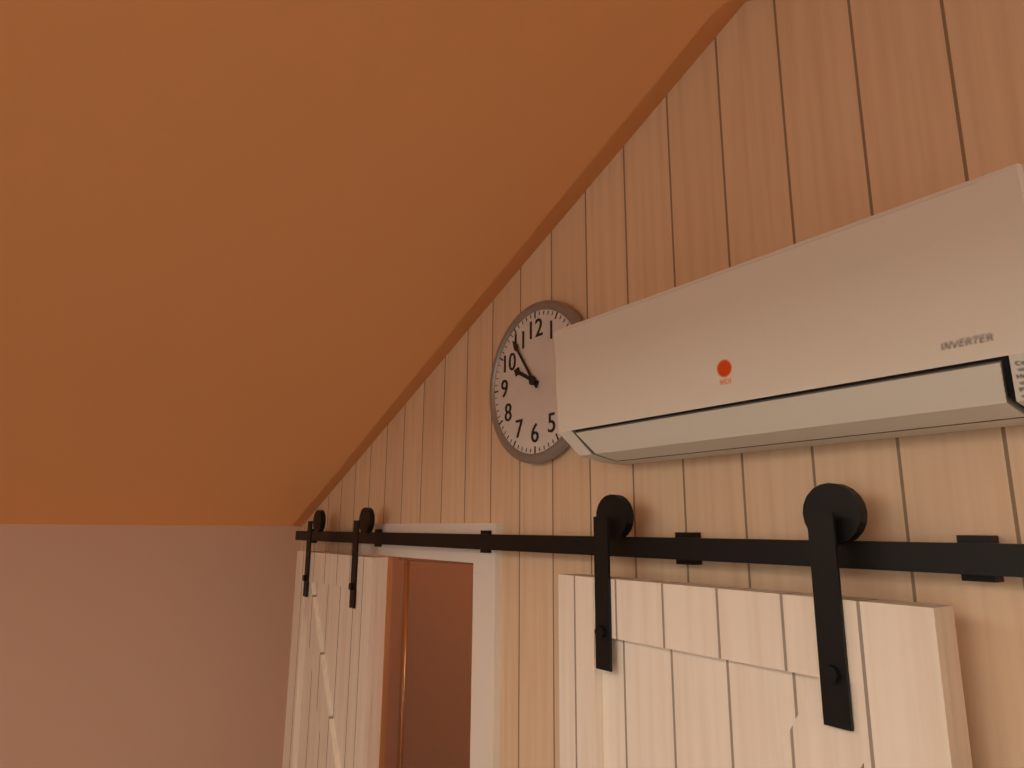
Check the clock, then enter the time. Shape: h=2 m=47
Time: h=9 m=54
